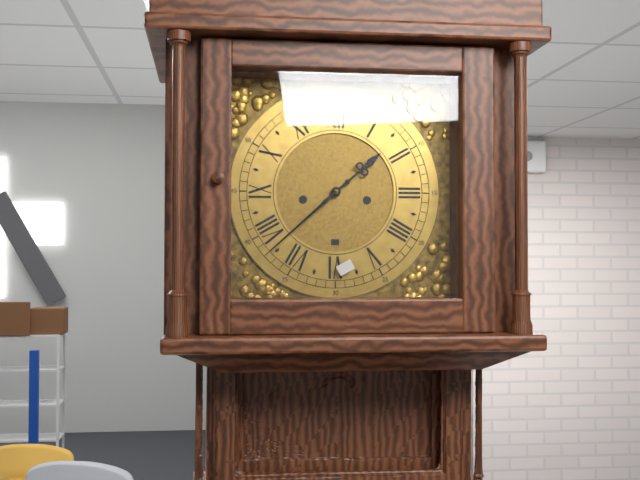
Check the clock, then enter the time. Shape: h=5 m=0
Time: h=1 m=38
